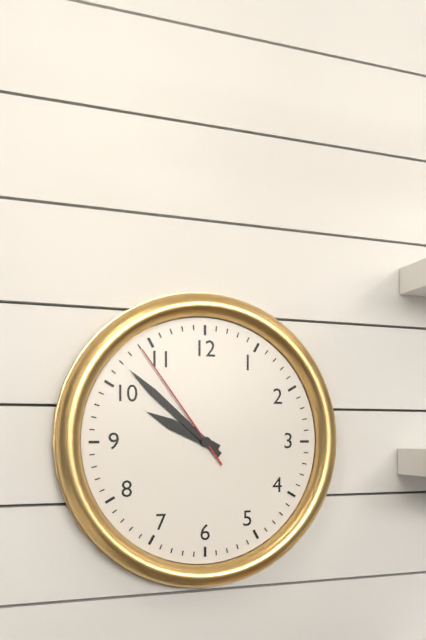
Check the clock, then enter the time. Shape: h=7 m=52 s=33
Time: h=9 m=52 s=54
